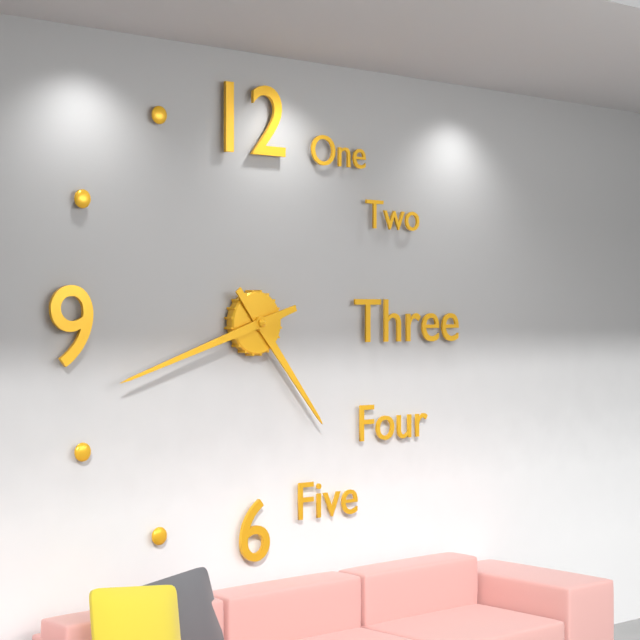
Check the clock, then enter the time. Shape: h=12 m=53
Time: h=4 m=42
